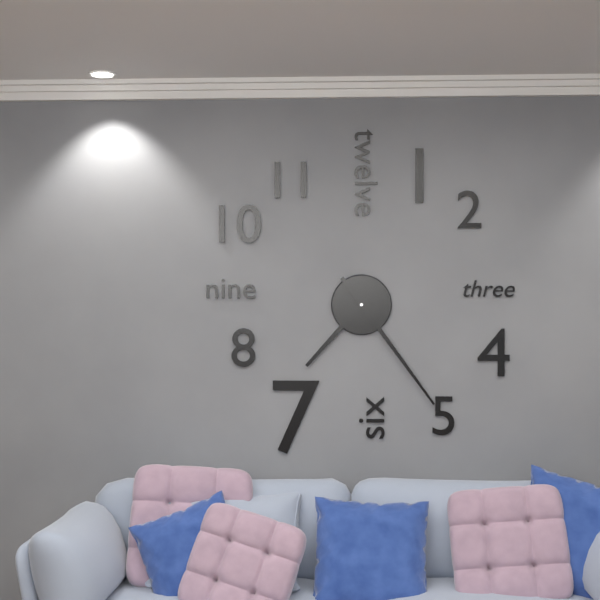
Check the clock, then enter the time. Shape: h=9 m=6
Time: h=7 m=24
